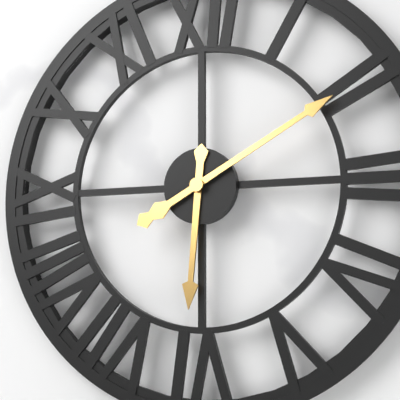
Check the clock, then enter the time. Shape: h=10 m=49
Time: h=6 m=10
